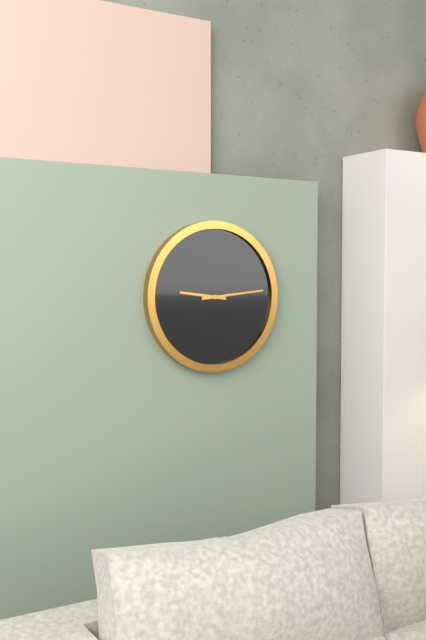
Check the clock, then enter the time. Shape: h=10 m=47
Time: h=9 m=14
